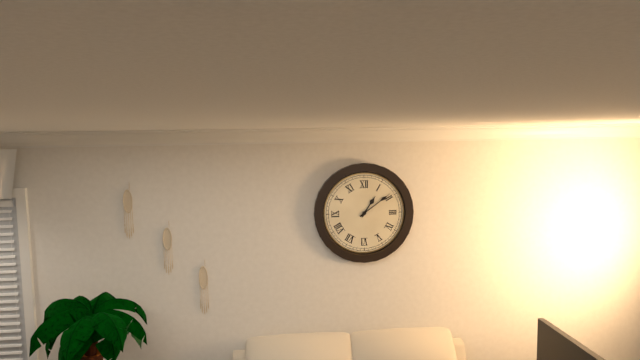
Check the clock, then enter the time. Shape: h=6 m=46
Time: h=1 m=9
